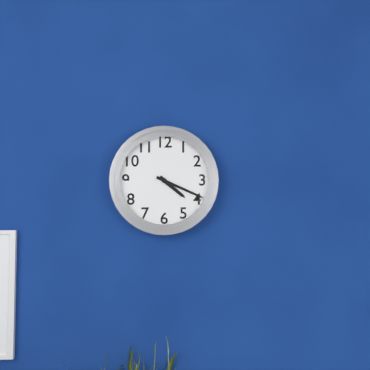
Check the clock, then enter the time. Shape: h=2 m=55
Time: h=4 m=19
